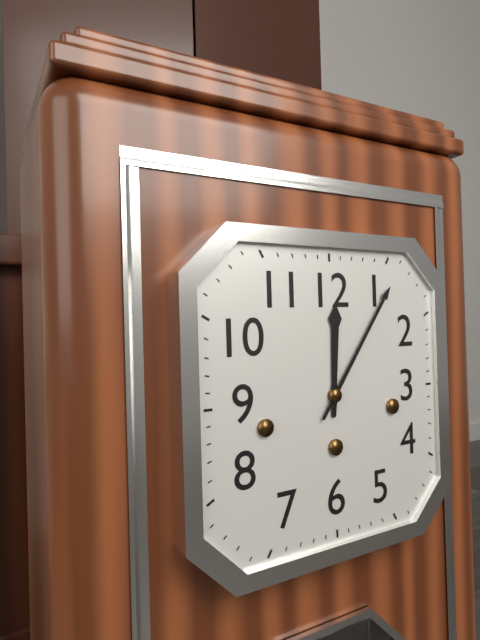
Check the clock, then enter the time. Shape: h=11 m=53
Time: h=12 m=6
